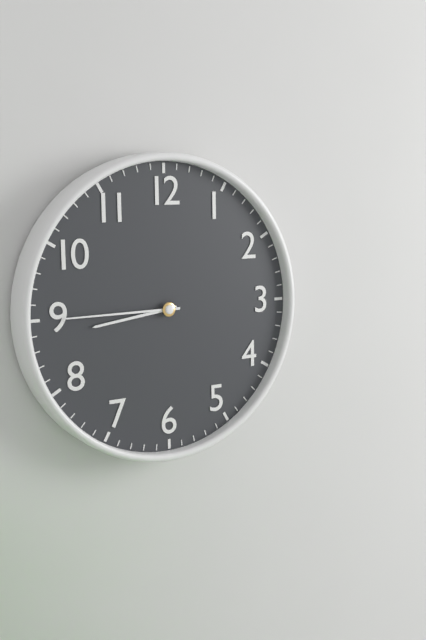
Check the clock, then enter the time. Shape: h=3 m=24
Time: h=8 m=45
